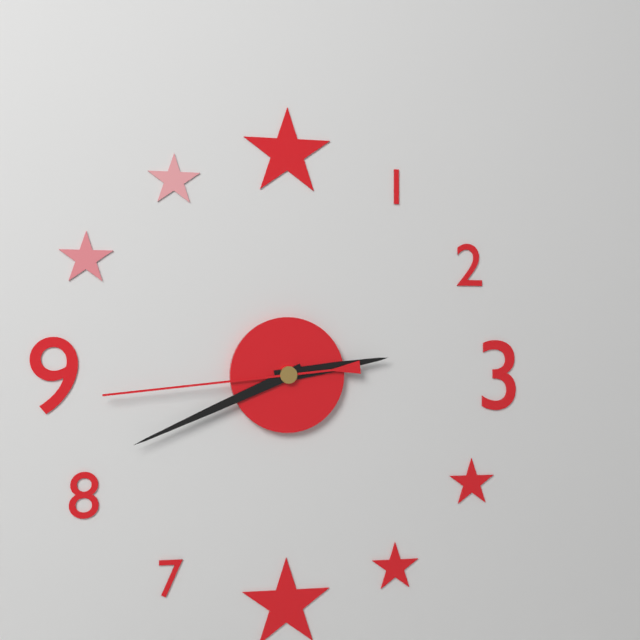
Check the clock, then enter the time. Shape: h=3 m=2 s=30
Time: h=2 m=41 s=44
